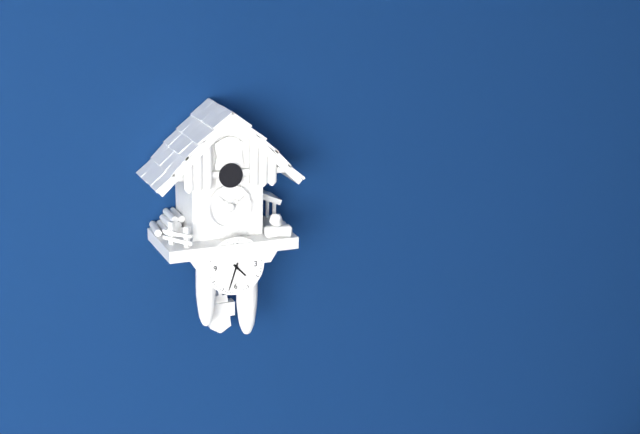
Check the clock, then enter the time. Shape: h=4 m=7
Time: h=4 m=33
